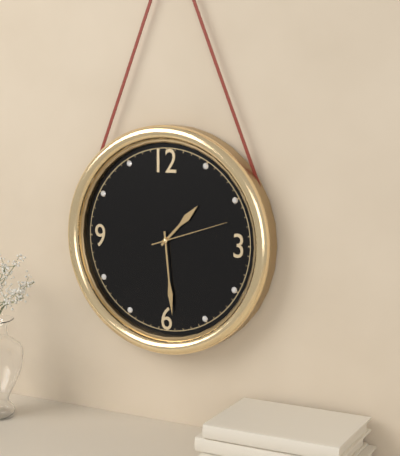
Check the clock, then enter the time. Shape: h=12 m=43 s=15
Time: h=1 m=29 s=12
